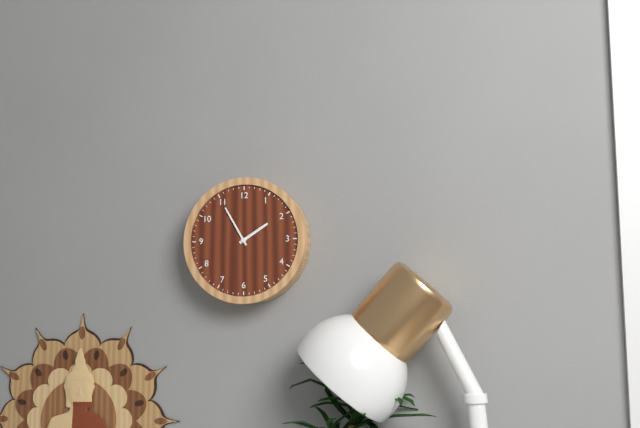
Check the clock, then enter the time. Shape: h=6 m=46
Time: h=1 m=55
